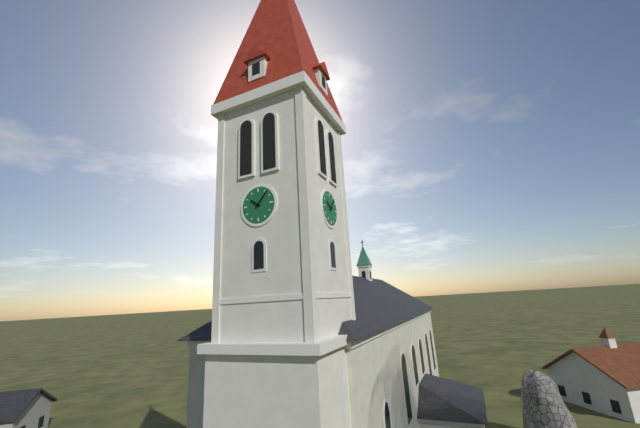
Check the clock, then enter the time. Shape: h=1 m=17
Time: h=10 m=7
